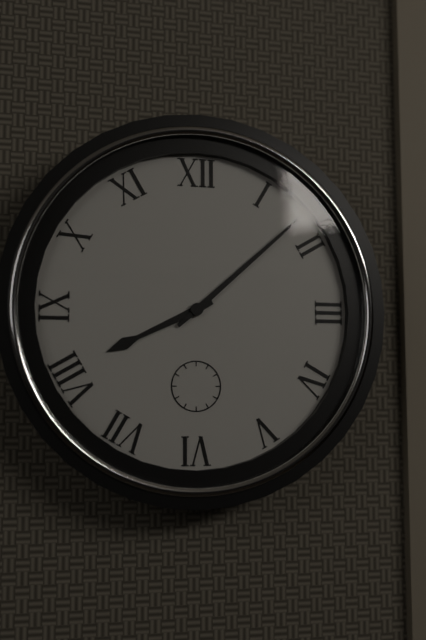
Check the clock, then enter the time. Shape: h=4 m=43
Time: h=8 m=8
